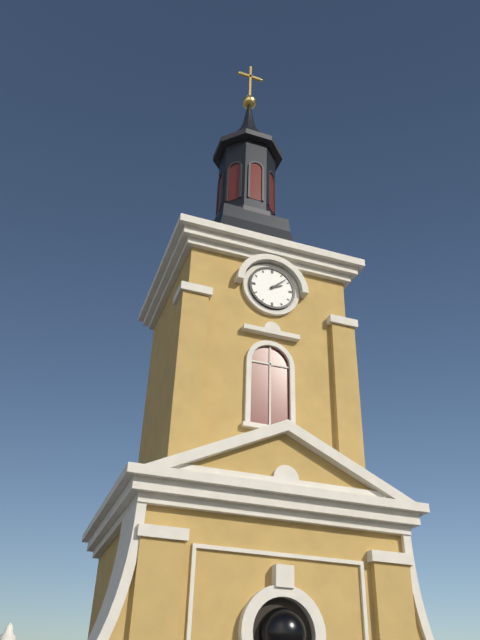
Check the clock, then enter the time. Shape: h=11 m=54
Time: h=2 m=8
